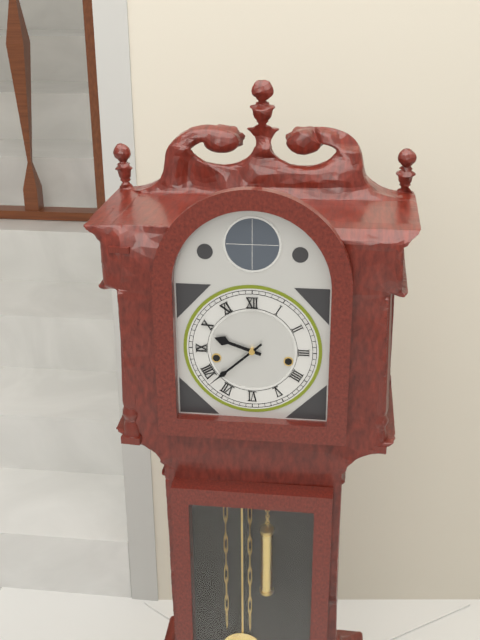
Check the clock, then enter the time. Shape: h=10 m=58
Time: h=9 m=38
